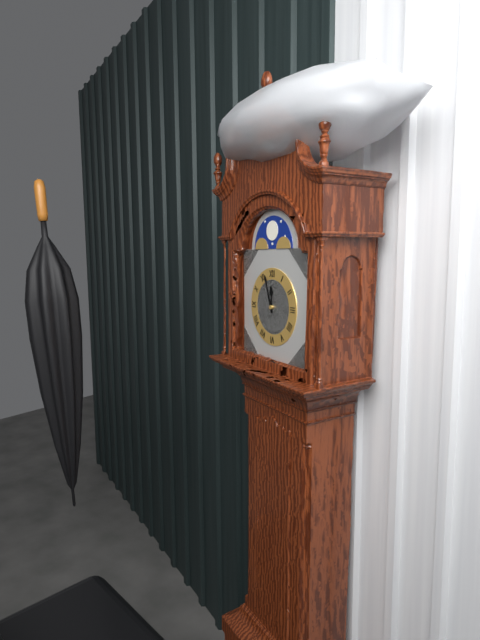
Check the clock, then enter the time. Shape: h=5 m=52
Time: h=11 m=57
